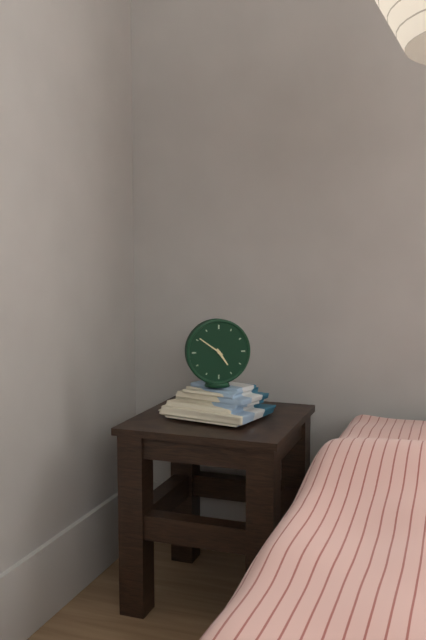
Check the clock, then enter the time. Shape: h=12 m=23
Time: h=4 m=51
